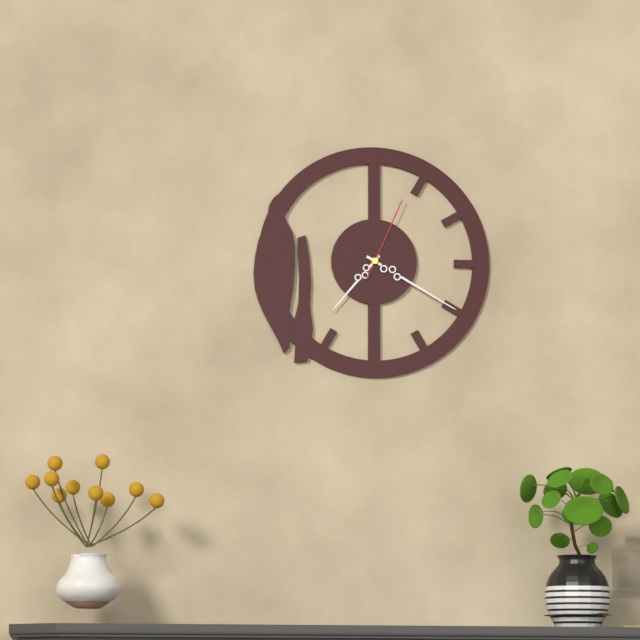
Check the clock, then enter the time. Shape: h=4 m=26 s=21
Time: h=7 m=20 s=4
